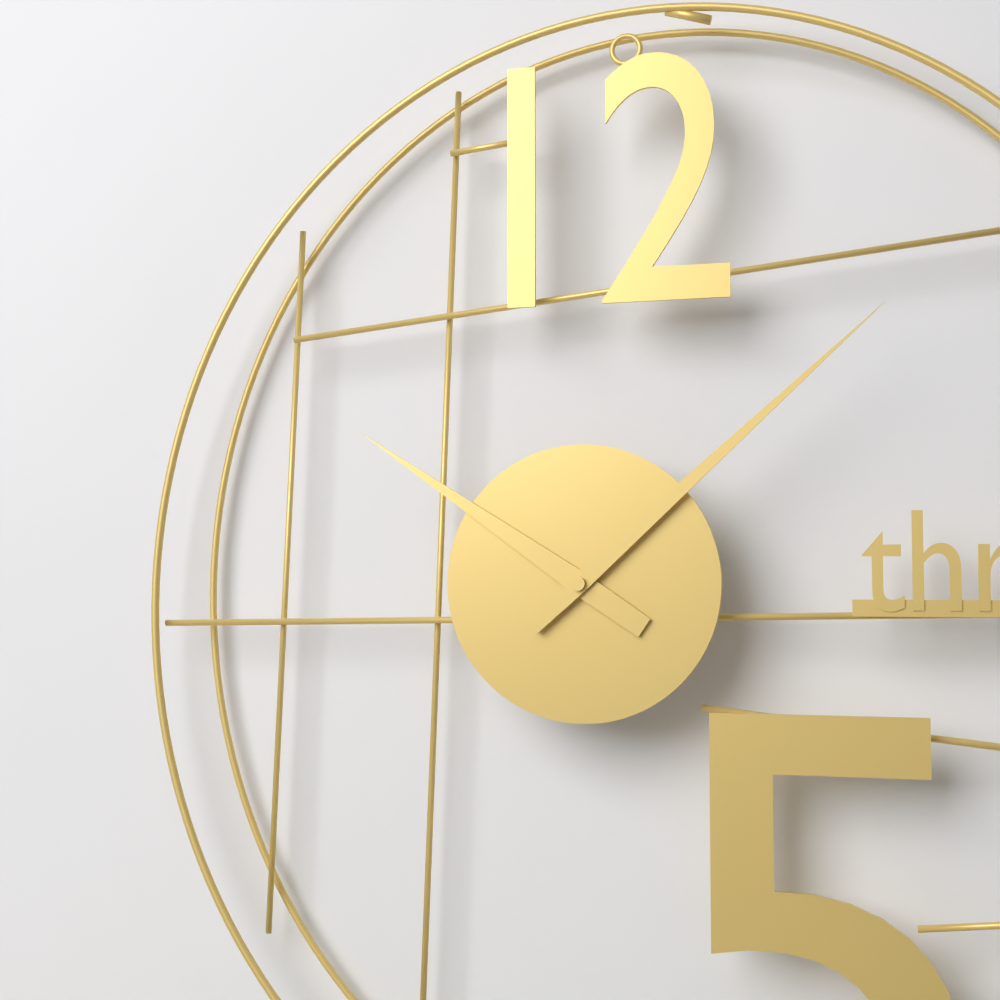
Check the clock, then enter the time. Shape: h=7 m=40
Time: h=10 m=8
